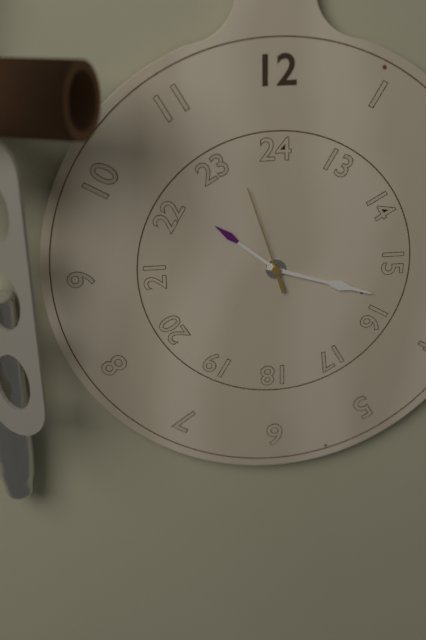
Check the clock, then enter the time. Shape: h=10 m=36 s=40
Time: h=10 m=18 s=57
